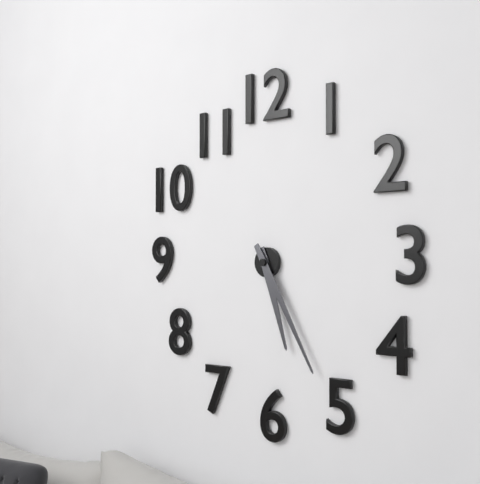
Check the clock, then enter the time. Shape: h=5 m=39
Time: h=5 m=25
